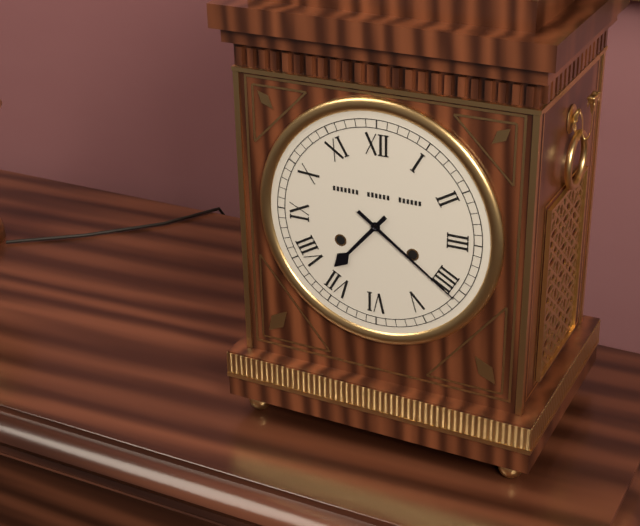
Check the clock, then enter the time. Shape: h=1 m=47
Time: h=7 m=21
